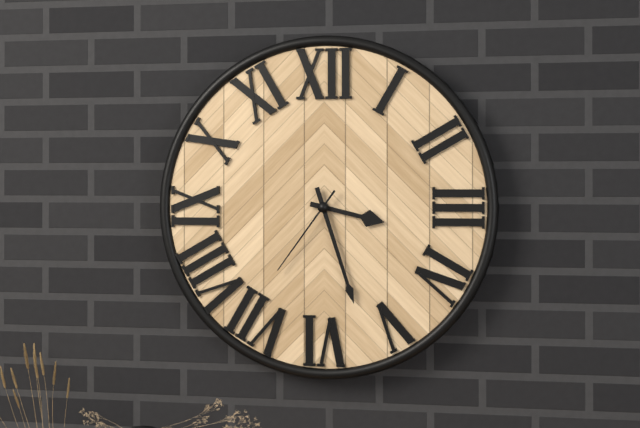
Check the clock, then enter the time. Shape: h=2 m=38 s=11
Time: h=3 m=27 s=36
